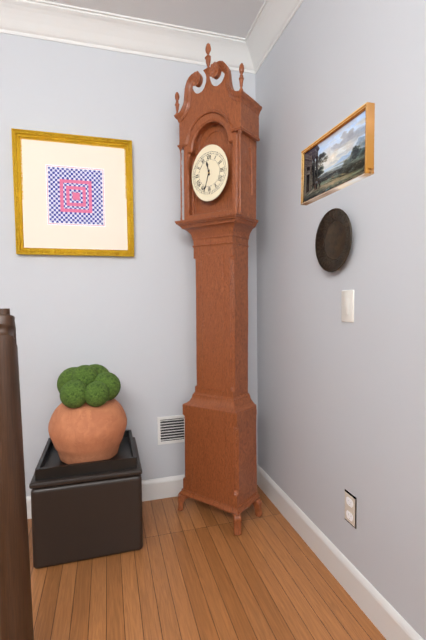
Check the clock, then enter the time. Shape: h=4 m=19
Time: h=11 m=33
